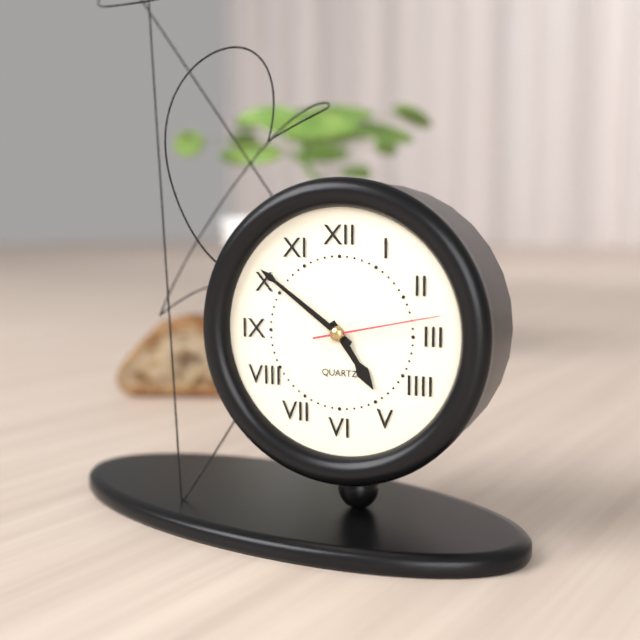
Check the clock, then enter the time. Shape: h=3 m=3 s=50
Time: h=4 m=51 s=13
